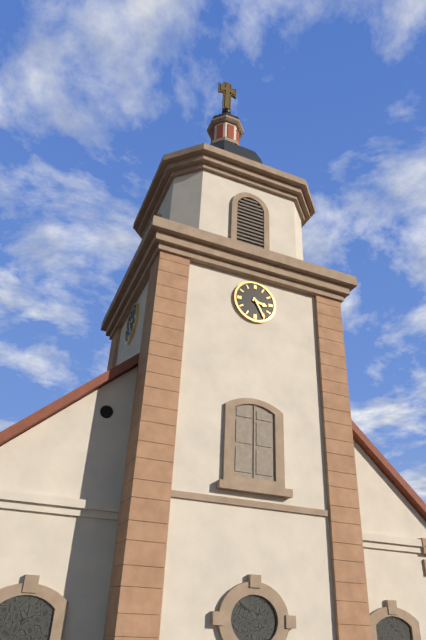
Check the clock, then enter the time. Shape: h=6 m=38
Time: h=3 m=25
